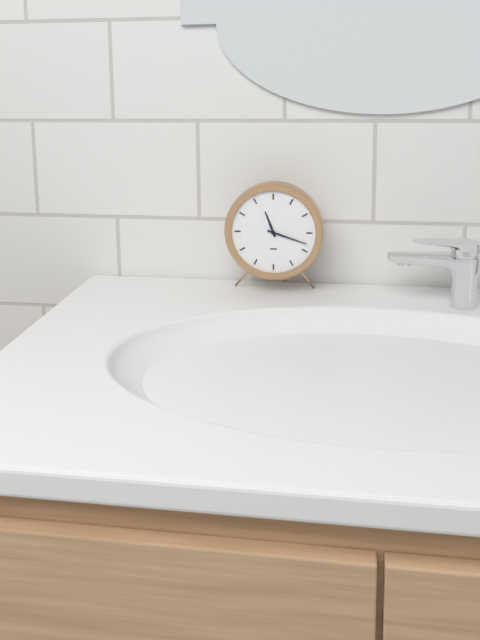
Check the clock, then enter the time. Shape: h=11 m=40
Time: h=11 m=18
